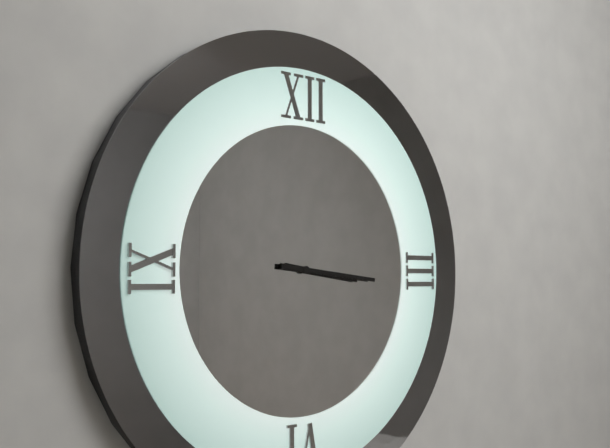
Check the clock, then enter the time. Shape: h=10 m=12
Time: h=3 m=16
